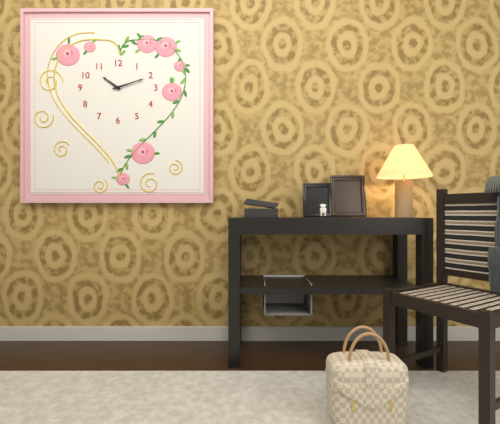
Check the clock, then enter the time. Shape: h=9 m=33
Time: h=10 m=12
